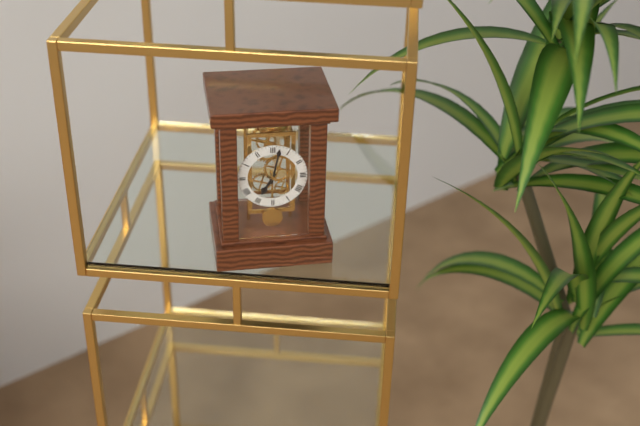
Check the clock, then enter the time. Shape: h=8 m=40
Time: h=7 m=2
